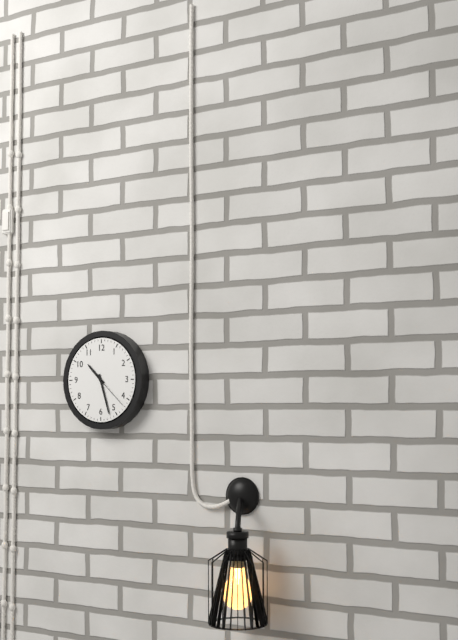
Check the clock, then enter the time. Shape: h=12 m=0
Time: h=10 m=27
